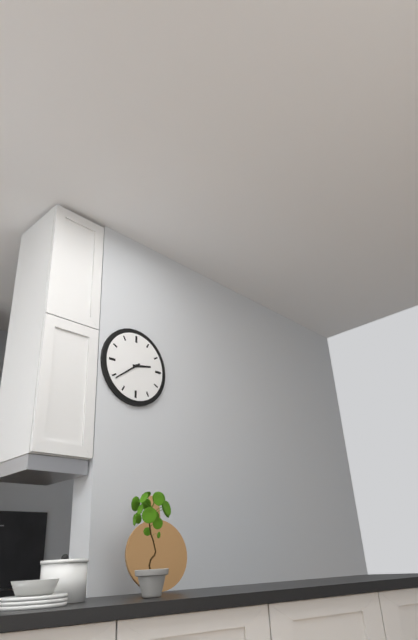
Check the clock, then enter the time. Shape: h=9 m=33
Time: h=2 m=39
